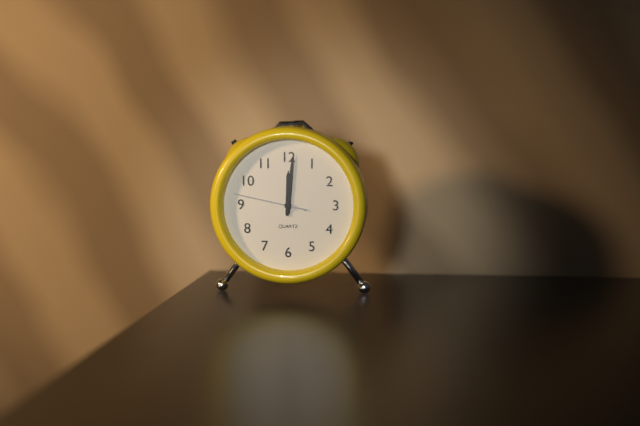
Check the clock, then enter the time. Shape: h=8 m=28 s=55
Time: h=12 m=1 s=47
